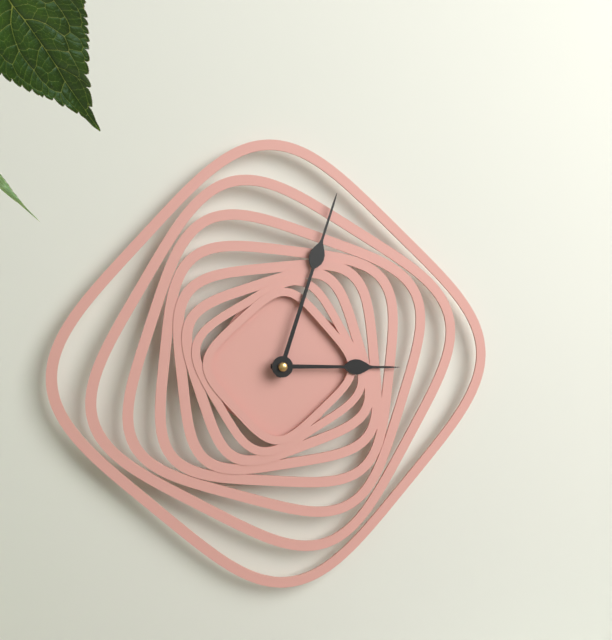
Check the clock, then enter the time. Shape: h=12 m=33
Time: h=3 m=3
